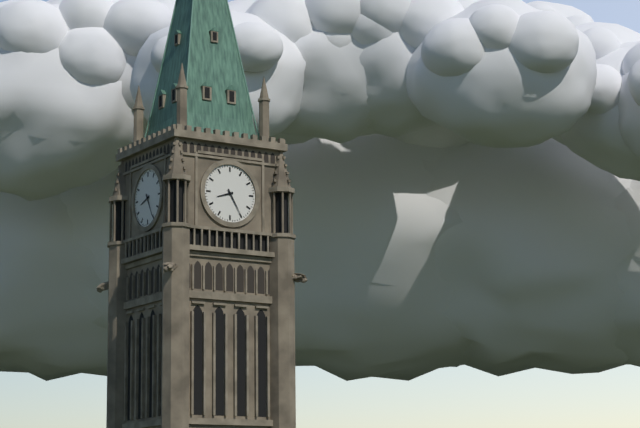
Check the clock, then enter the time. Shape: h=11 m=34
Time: h=8 m=25
